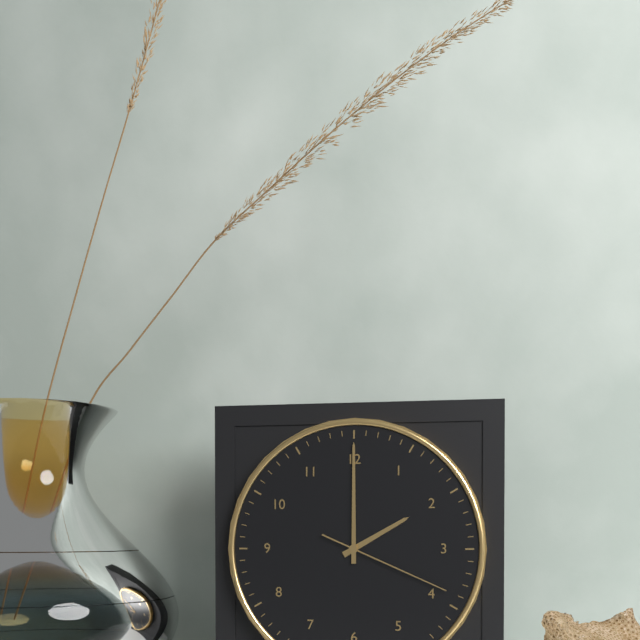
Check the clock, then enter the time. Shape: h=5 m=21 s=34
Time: h=2 m=0 s=19
